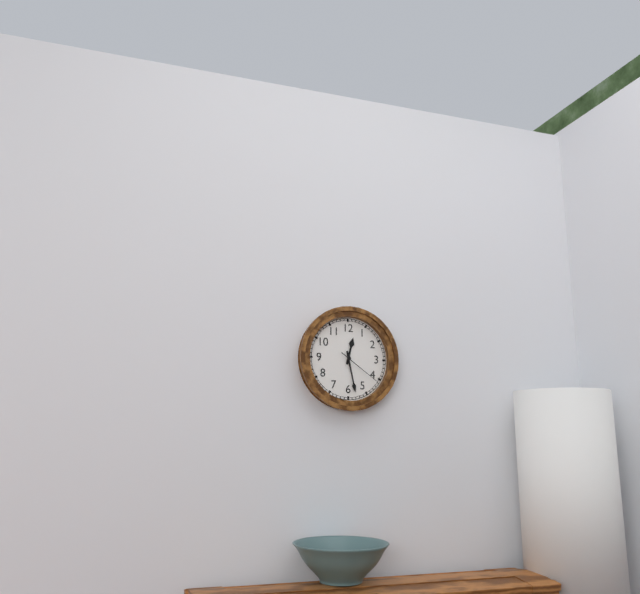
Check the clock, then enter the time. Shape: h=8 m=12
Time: h=12 m=28
